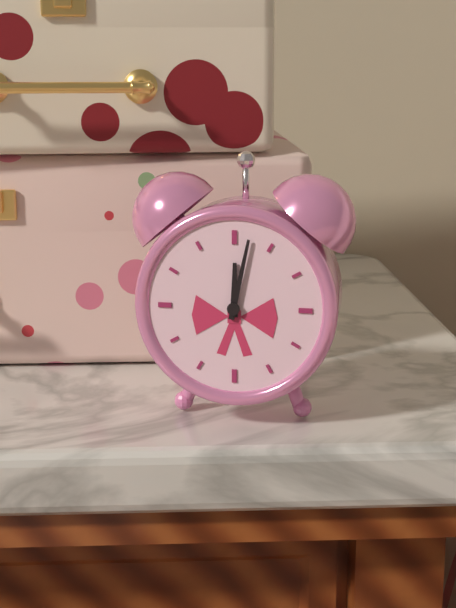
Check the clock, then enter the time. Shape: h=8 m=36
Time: h=12 m=2
